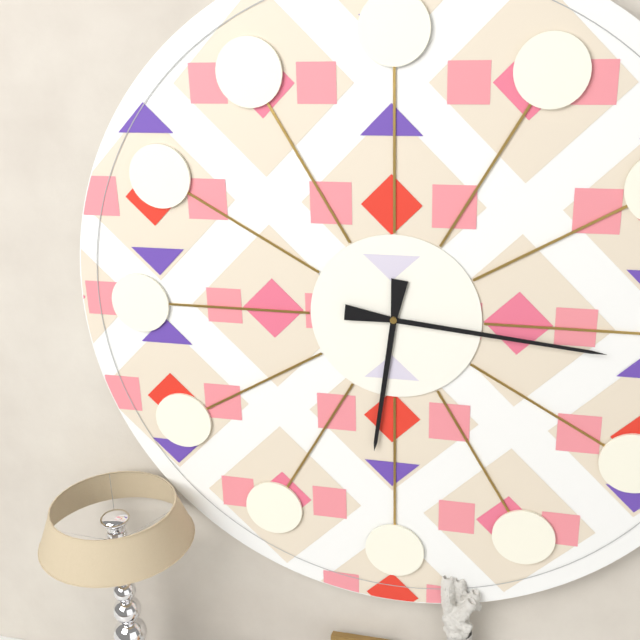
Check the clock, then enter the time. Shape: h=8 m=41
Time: h=6 m=16
